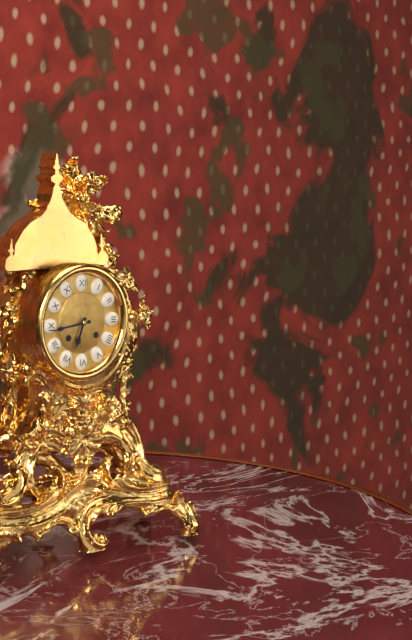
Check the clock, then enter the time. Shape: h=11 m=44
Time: h=6 m=44
